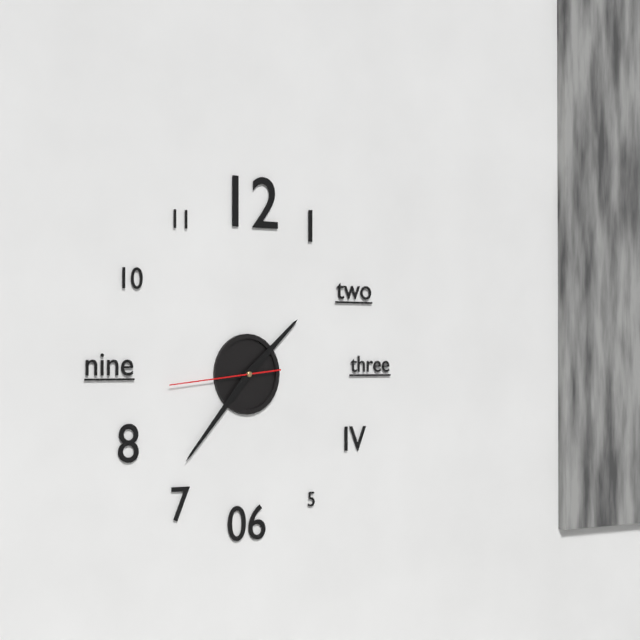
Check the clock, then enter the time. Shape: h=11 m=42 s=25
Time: h=1 m=37 s=44
